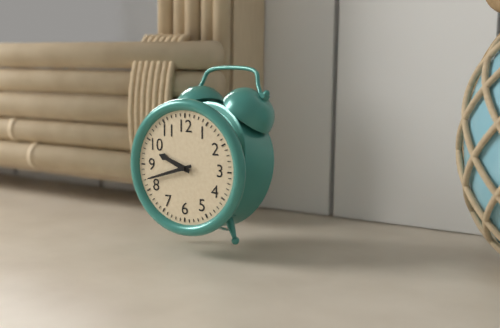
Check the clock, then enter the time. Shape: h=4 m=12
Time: h=9 m=42
